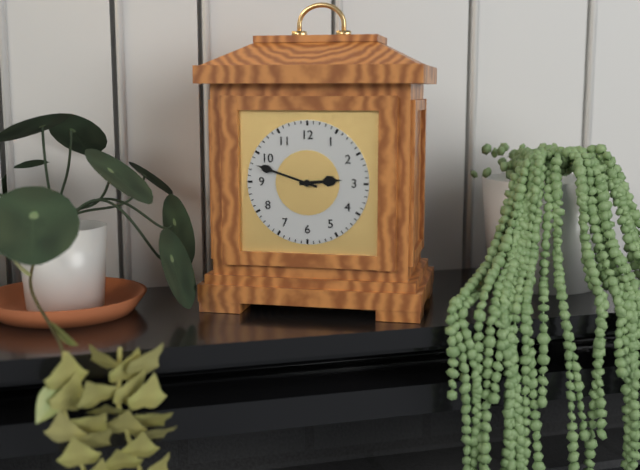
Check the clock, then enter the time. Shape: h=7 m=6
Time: h=2 m=48
